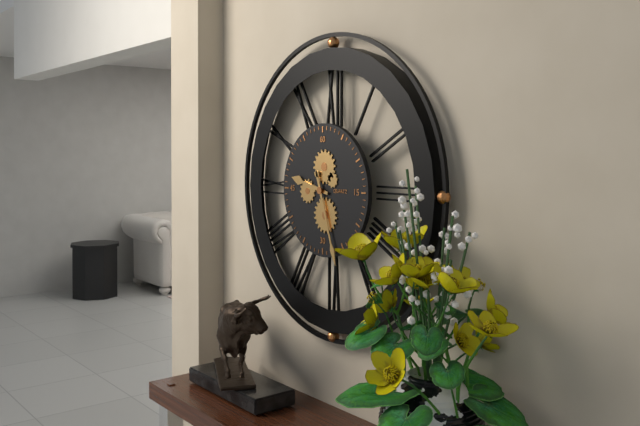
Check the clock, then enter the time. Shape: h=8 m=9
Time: h=9 m=27
